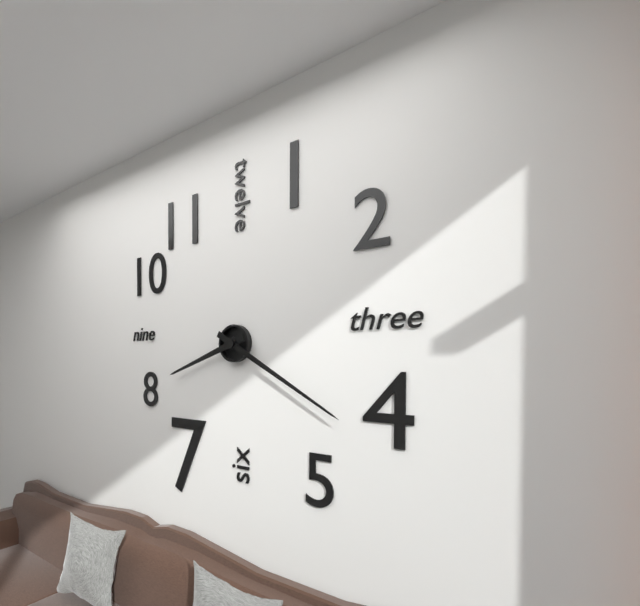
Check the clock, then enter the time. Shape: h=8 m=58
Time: h=8 m=20
